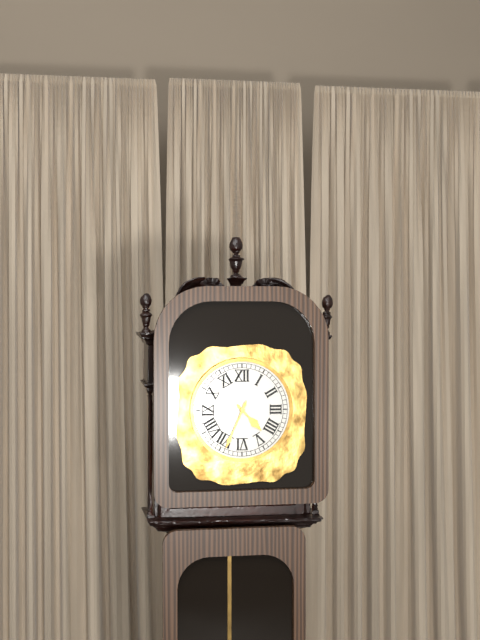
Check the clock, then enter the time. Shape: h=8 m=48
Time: h=4 m=34
